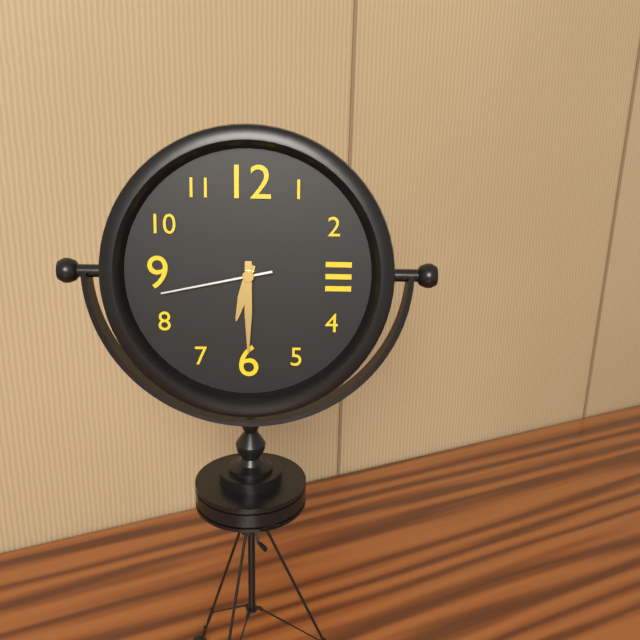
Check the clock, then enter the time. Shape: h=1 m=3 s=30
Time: h=6 m=30 s=43
